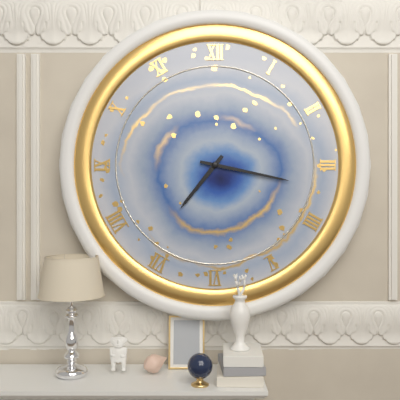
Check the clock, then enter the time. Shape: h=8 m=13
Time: h=7 m=17
